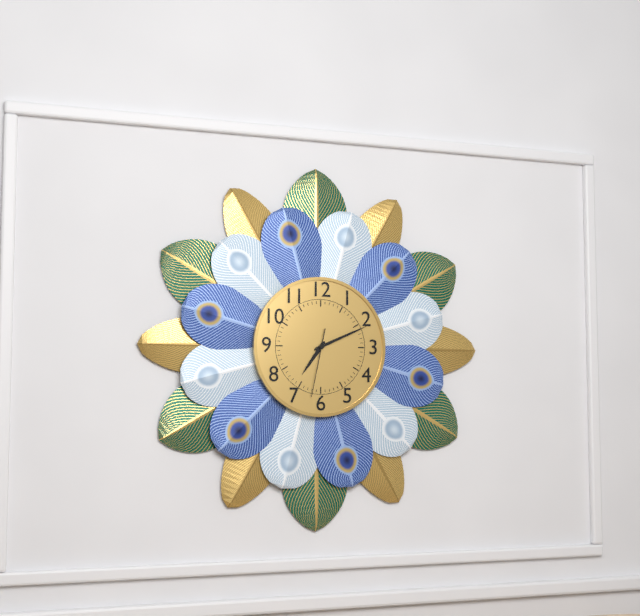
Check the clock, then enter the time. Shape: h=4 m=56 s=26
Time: h=7 m=11 s=32
